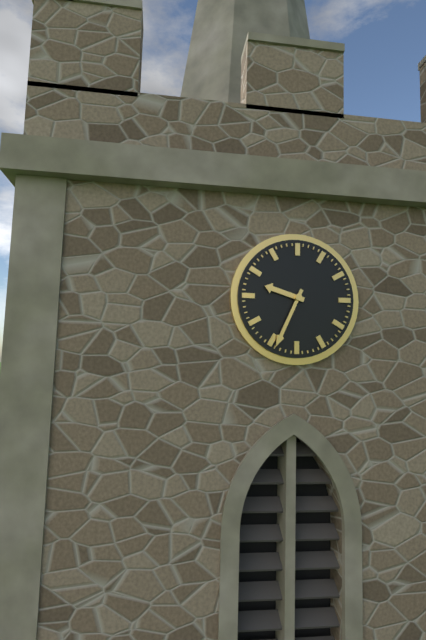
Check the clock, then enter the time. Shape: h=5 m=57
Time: h=9 m=34
